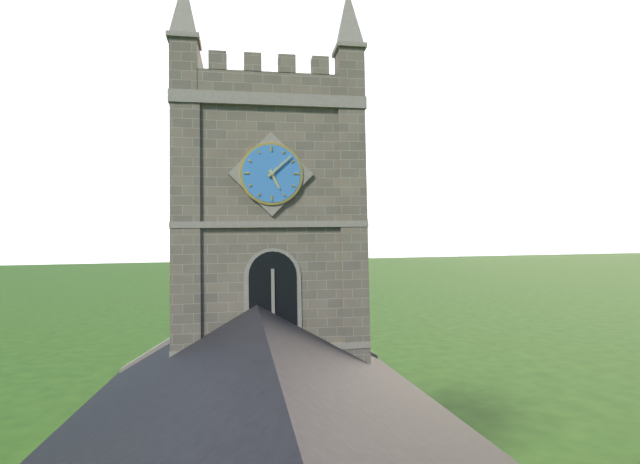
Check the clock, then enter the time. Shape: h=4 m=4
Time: h=5 m=8
